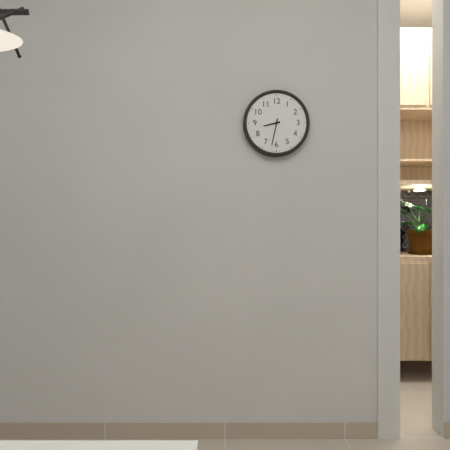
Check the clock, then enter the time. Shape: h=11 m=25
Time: h=8 m=32
